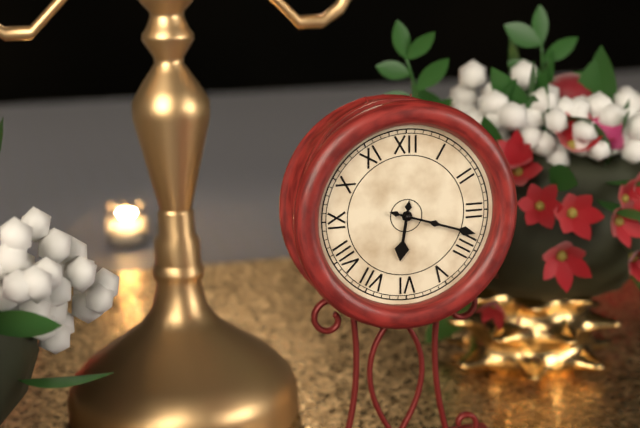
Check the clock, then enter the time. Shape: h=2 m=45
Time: h=6 m=18
